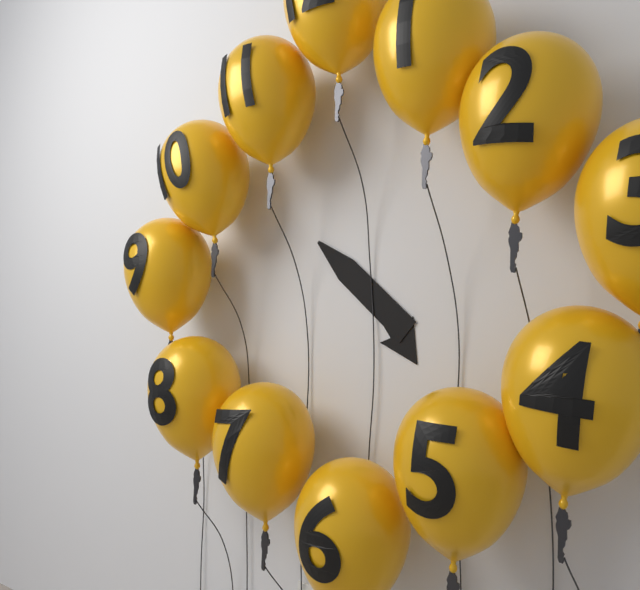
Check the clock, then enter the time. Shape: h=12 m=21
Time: h=4 m=52
